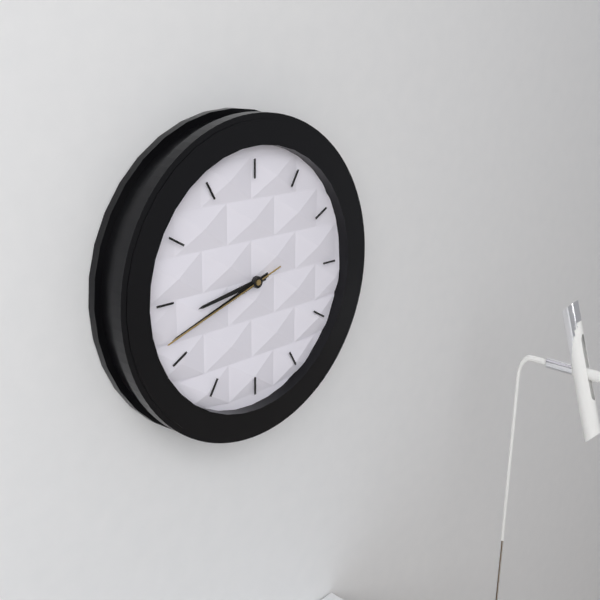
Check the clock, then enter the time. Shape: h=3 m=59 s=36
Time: h=8 m=42 s=42
